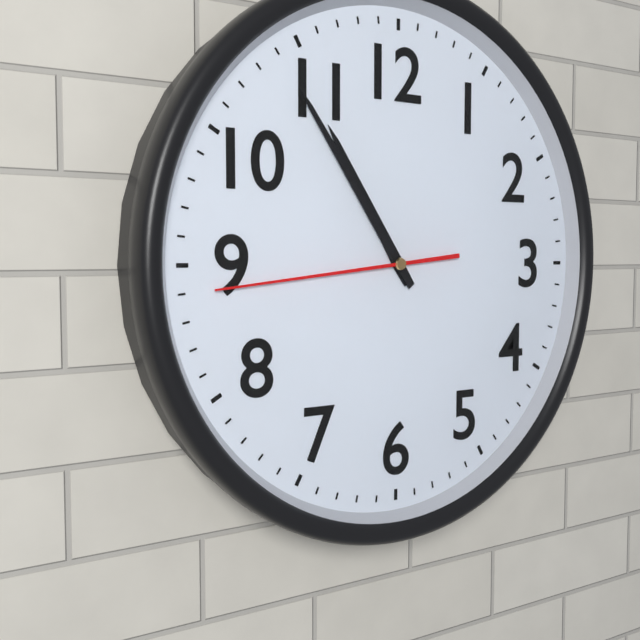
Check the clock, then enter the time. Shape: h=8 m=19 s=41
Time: h=10 m=54 s=44
